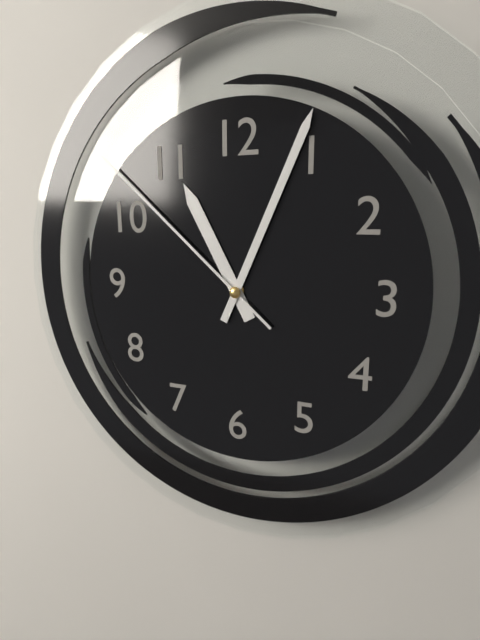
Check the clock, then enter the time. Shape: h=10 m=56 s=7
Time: h=11 m=4 s=52
